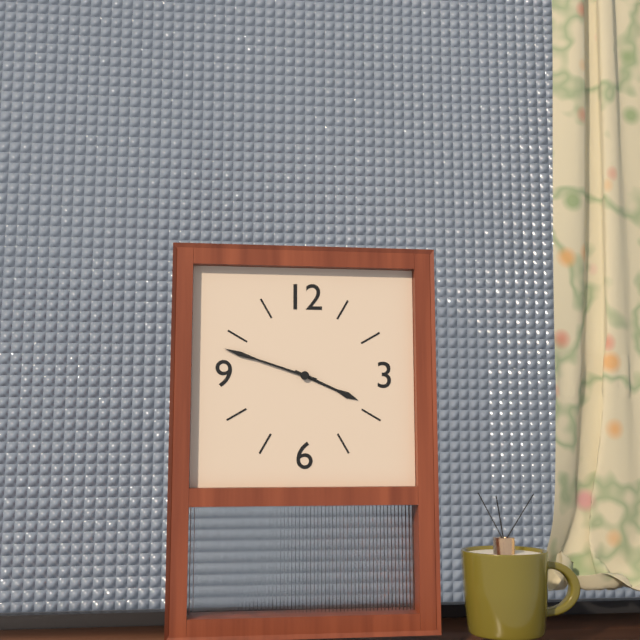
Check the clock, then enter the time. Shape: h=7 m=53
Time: h=3 m=48
